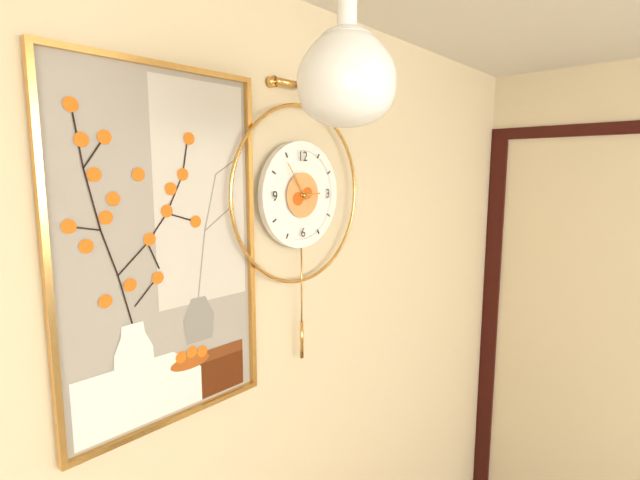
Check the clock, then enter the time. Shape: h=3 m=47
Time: h=2 m=54
